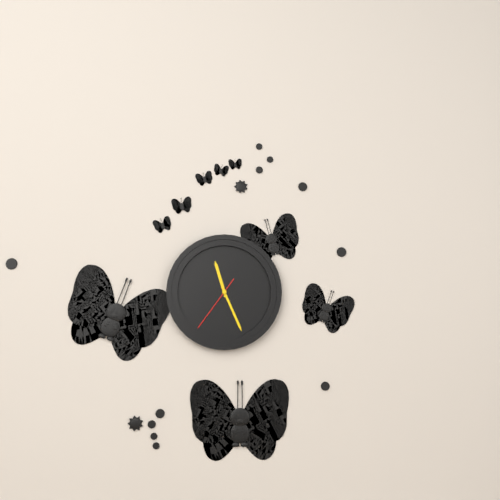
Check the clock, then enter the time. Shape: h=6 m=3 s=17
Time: h=11 m=26 s=36
